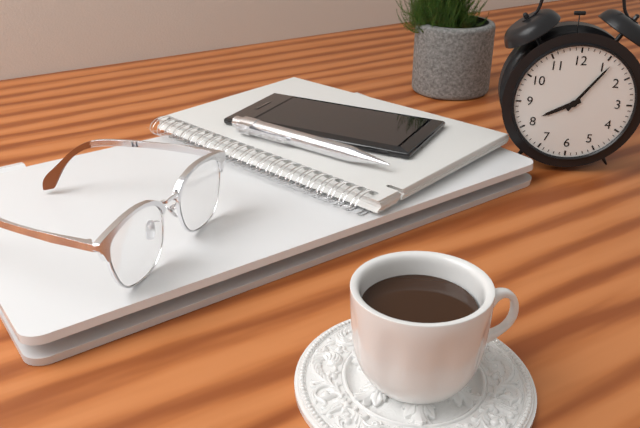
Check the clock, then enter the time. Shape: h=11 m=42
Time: h=8 m=6
